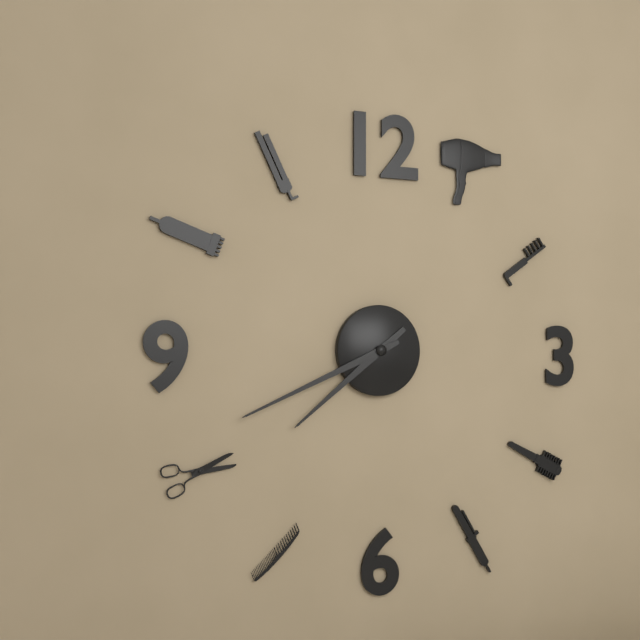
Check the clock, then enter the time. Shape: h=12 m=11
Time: h=7 m=41
